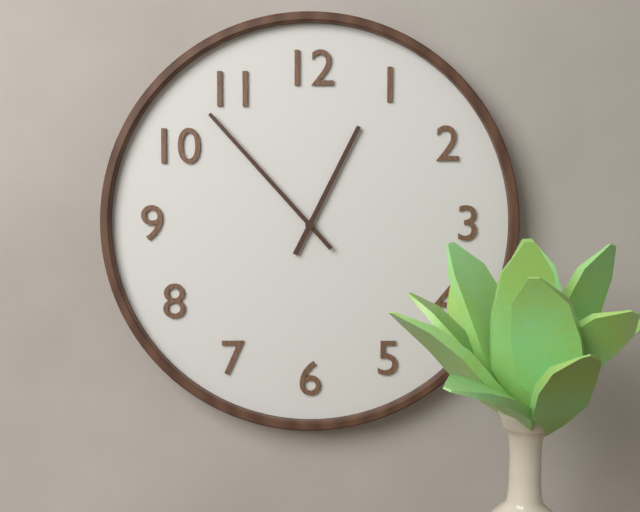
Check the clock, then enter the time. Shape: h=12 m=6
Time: h=12 m=53
